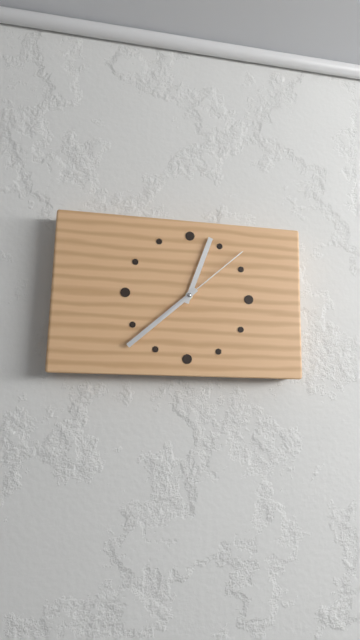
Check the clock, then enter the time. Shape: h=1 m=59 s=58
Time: h=12 m=38 s=8
